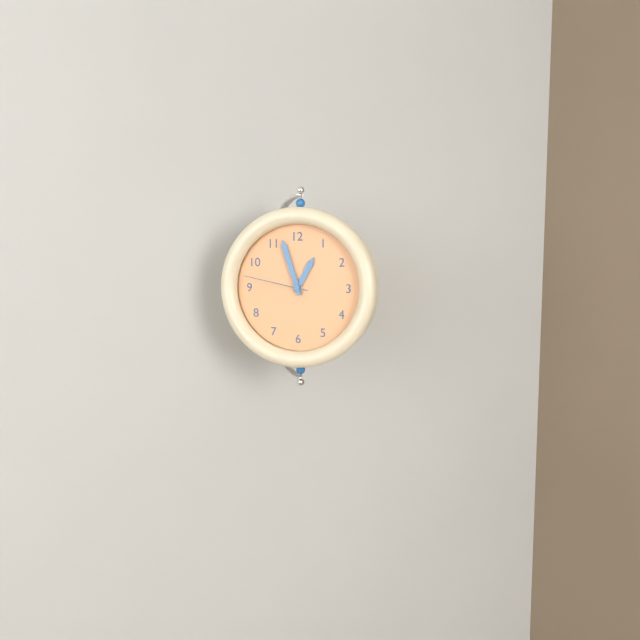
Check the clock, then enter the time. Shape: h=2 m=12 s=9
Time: h=12 m=57 s=47
